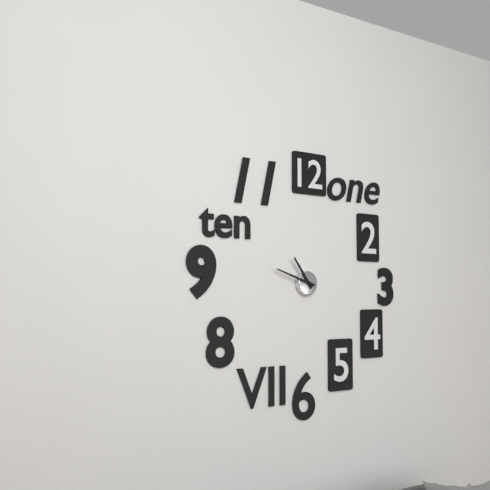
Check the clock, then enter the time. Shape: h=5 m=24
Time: h=10 m=48
